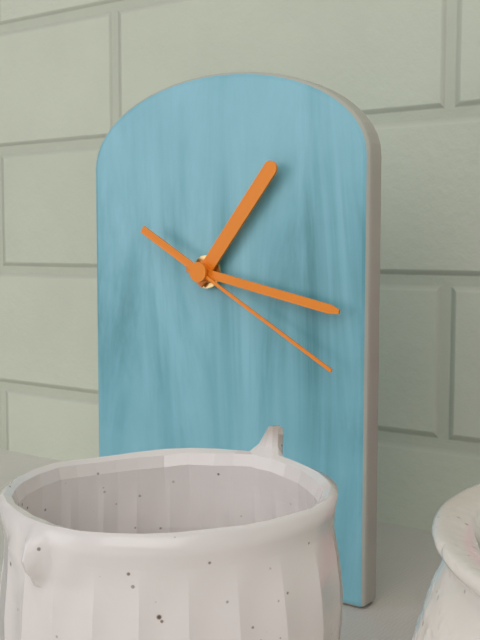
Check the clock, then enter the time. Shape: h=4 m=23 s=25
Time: h=1 m=17 s=20
